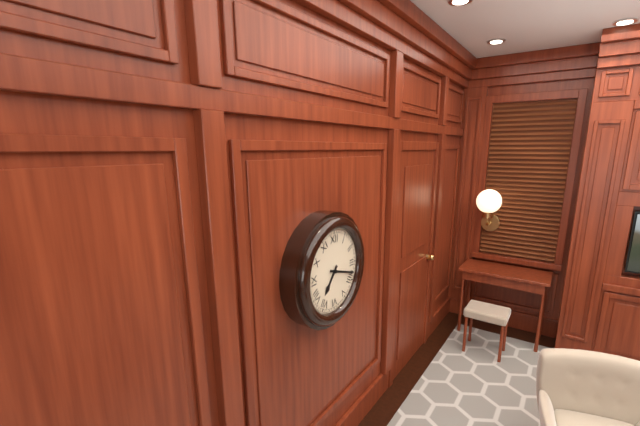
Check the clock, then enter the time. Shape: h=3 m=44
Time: h=7 m=18
